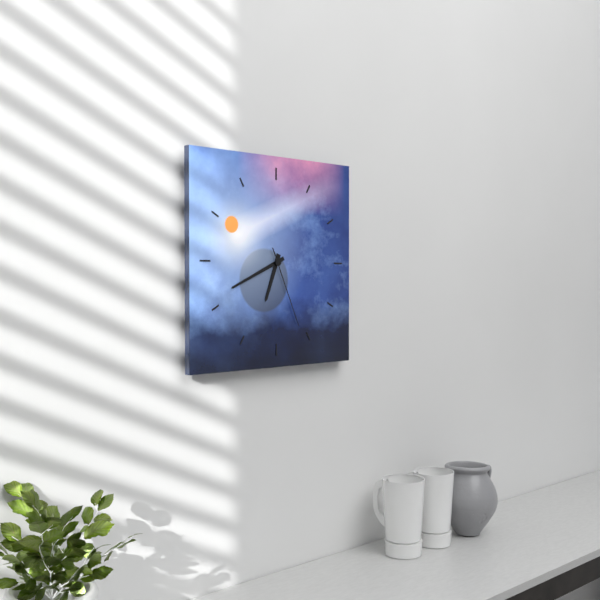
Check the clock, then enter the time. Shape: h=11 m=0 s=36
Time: h=6 m=41 s=26
